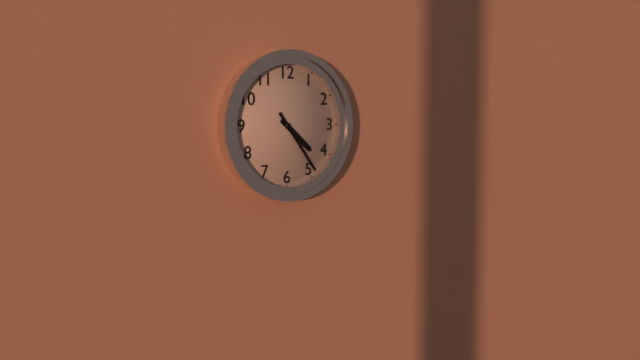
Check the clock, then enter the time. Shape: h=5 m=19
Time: h=4 m=24
